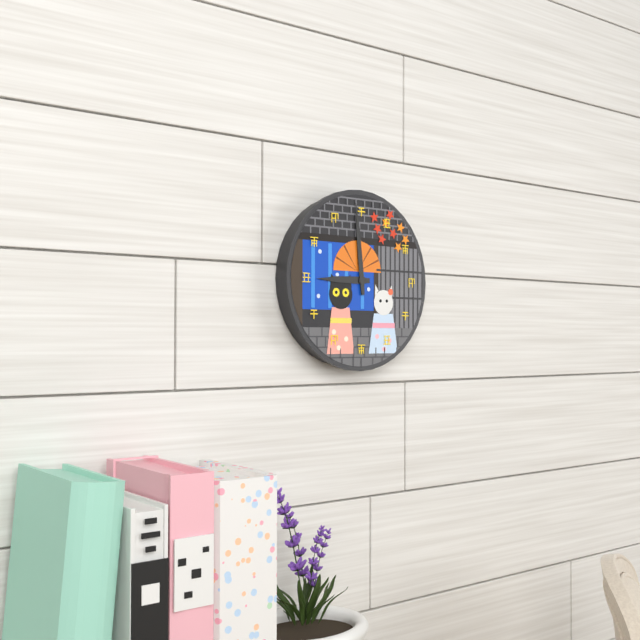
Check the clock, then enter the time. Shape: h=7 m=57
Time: h=8 m=59
